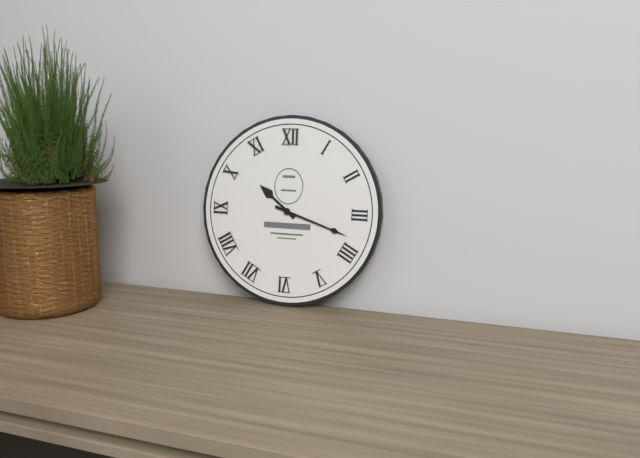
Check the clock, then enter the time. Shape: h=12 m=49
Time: h=10 m=18
